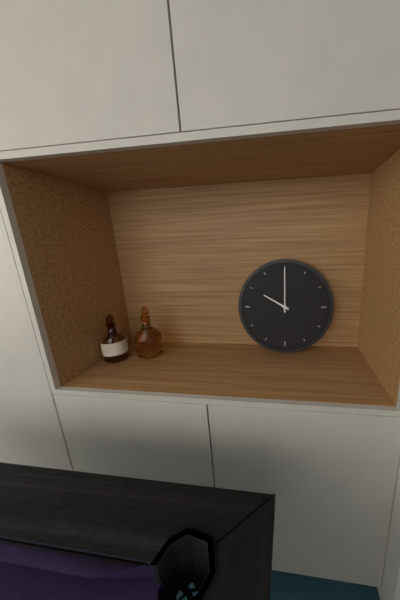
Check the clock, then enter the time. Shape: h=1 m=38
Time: h=10 m=0
